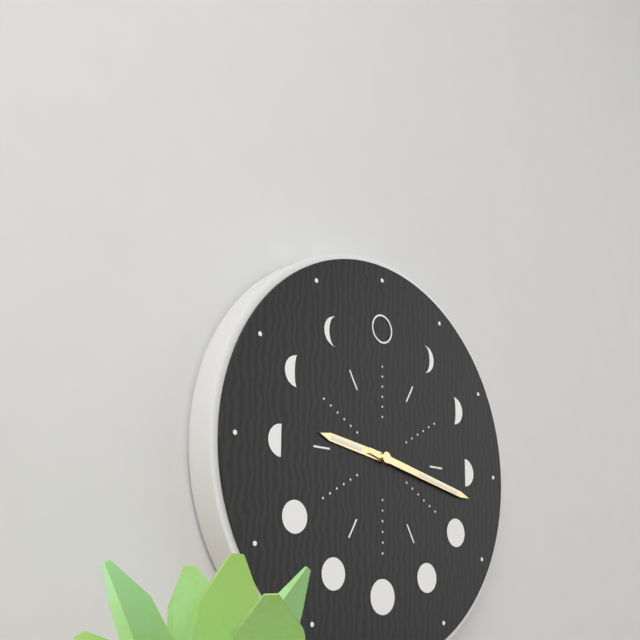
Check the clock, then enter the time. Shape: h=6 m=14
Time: h=9 m=17
